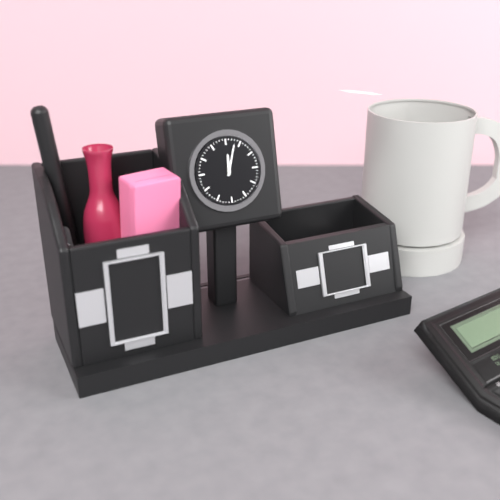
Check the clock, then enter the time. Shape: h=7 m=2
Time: h=12 m=3
